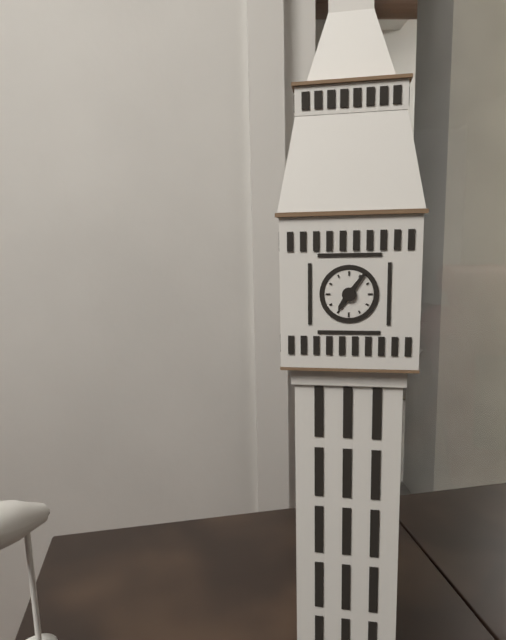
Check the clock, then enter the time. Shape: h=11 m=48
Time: h=7 m=6
